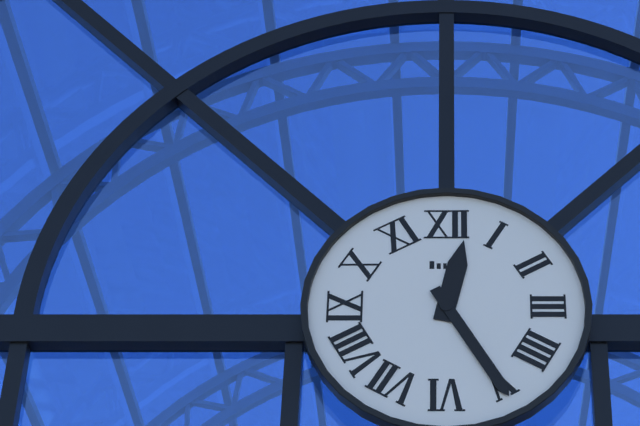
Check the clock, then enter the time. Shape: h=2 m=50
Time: h=12 m=25
